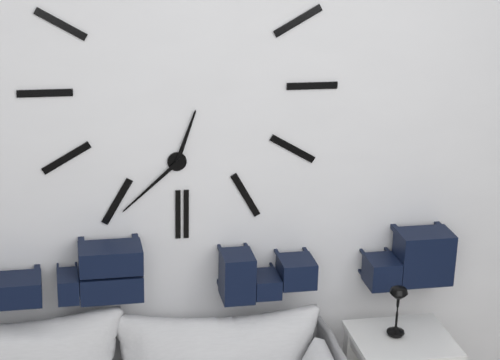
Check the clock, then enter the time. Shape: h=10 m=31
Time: h=12 m=38
